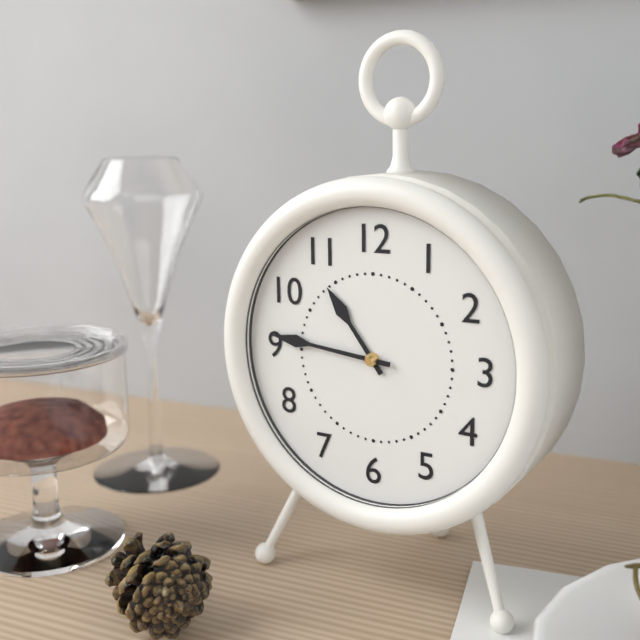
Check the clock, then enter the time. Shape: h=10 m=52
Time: h=10 m=46
